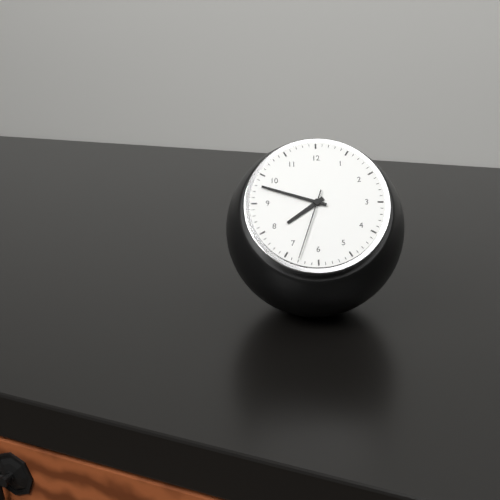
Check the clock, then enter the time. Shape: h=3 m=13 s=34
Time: h=7 m=48 s=33
